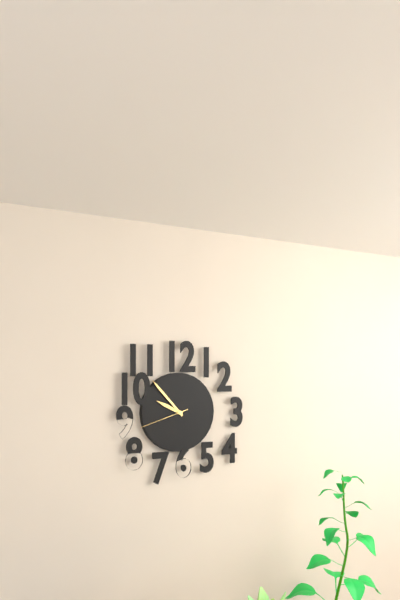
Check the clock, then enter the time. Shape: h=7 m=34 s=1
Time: h=9 m=53 s=42
